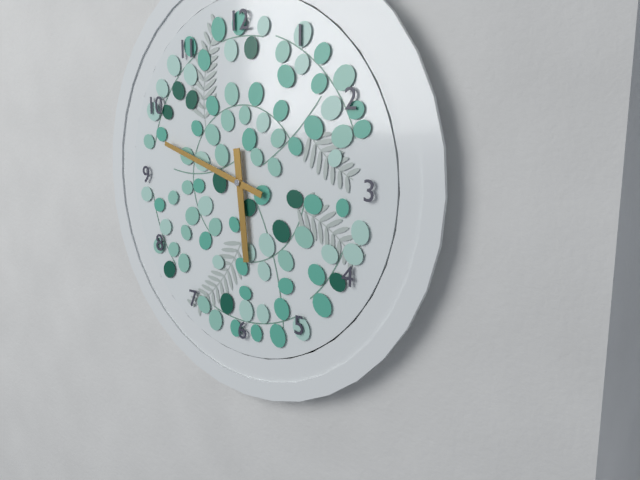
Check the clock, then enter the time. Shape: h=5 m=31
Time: h=5 m=48
